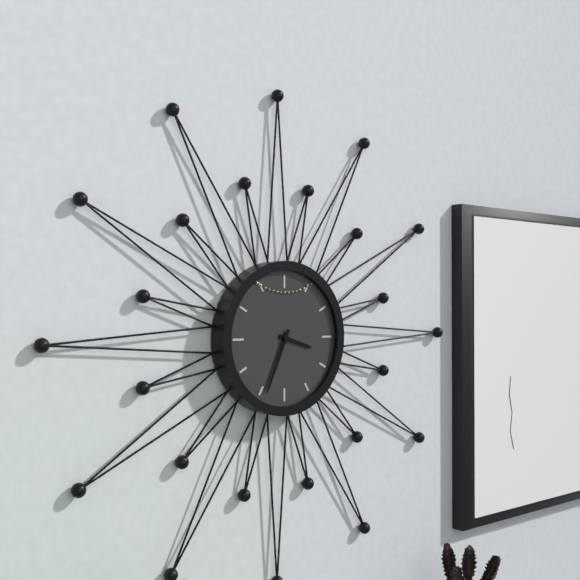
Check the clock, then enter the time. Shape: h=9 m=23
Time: h=3 m=34
